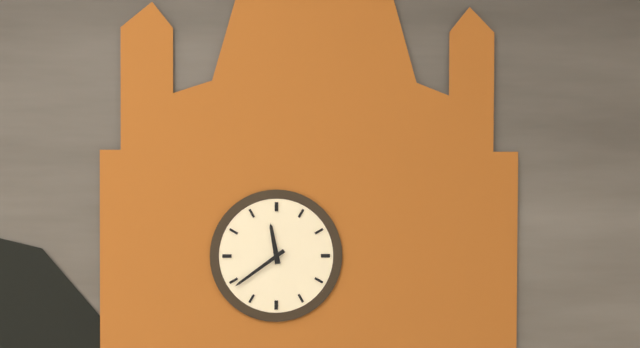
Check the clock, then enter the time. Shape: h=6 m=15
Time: h=11 m=39
